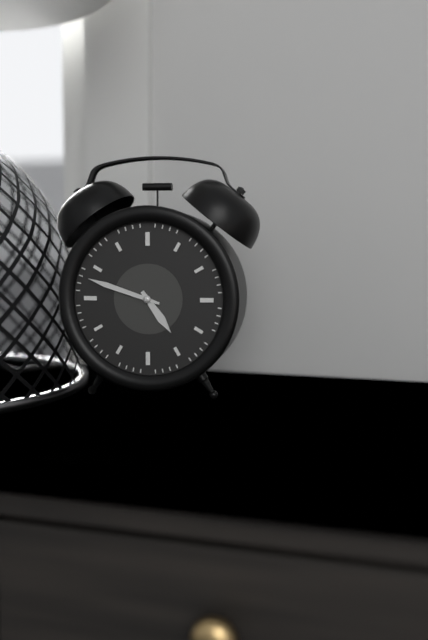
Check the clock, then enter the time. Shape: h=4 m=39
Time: h=4 m=48
